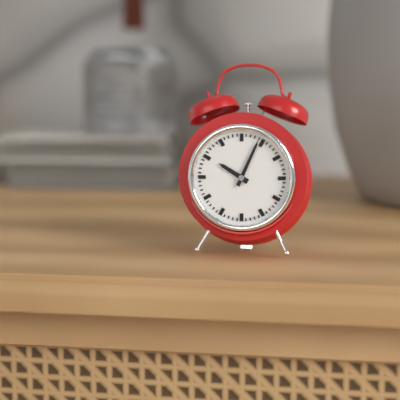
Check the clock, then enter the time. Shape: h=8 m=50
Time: h=10 m=4
